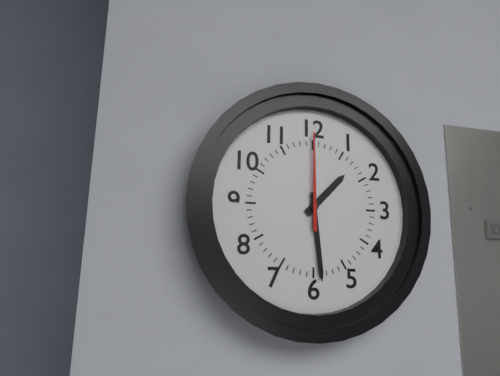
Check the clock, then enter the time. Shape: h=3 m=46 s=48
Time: h=1 m=29 s=0
